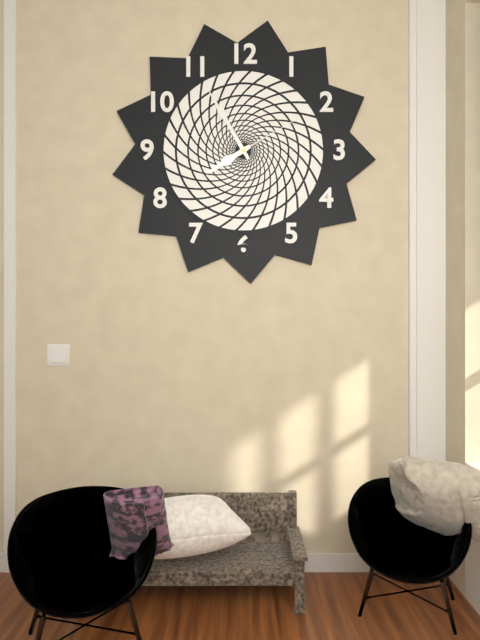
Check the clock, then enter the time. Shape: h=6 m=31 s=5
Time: h=7 m=55 s=10
